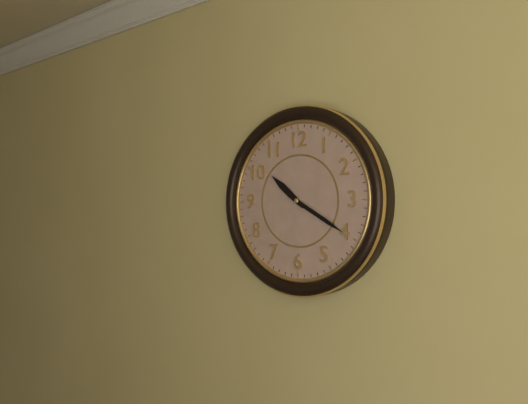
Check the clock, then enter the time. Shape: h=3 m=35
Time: h=10 m=20
